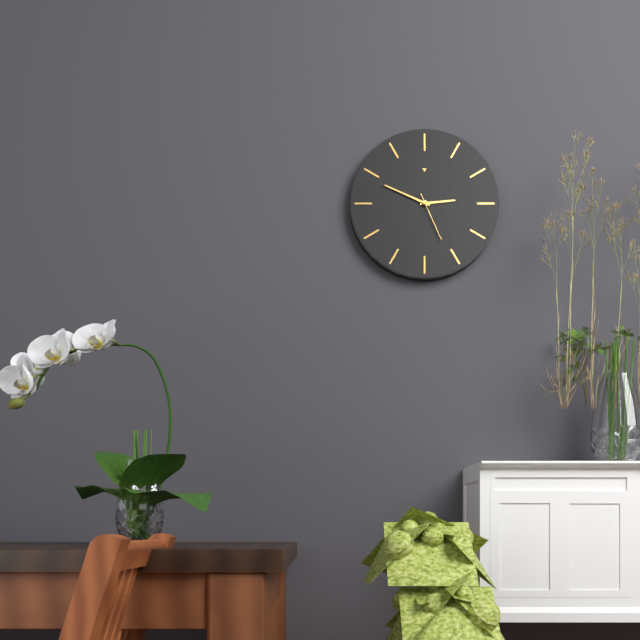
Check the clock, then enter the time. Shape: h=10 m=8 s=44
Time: h=2 m=49 s=26
